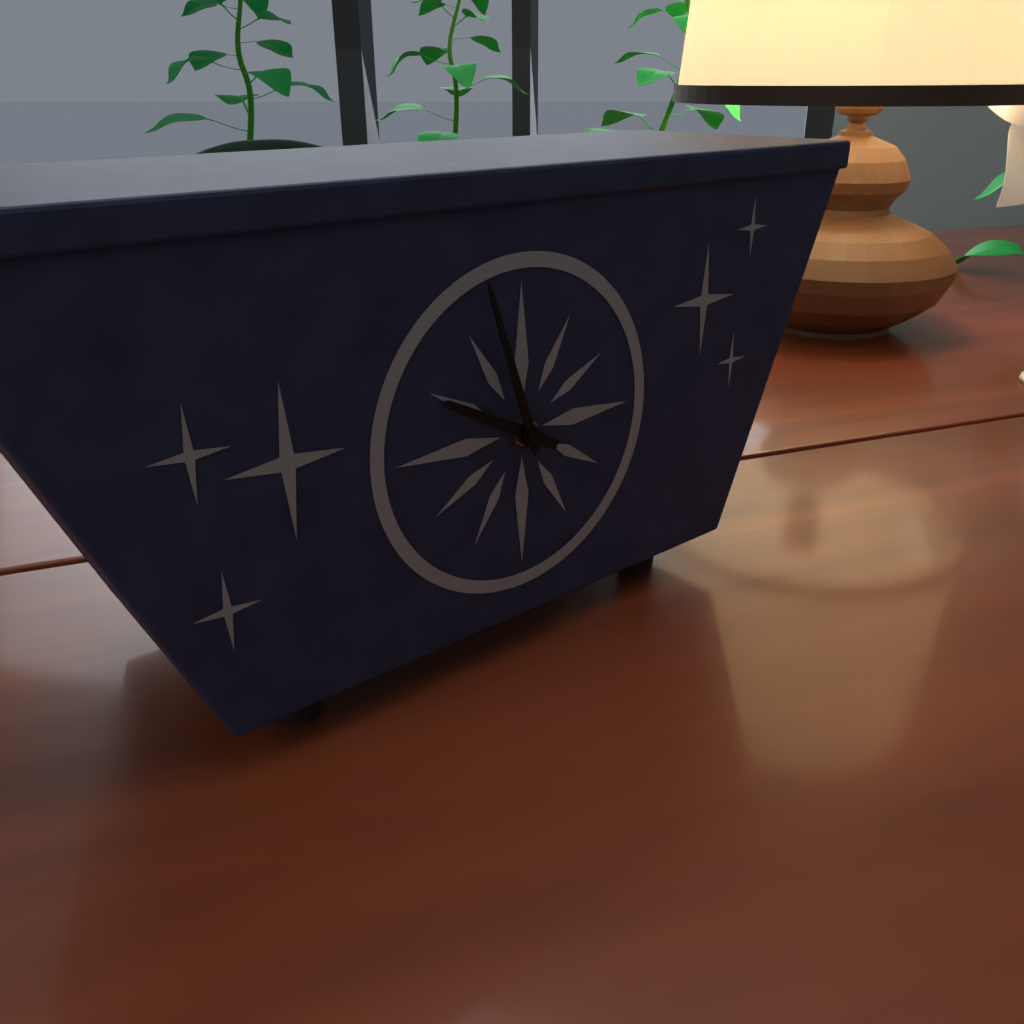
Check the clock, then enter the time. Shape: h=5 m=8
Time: h=9 m=57
